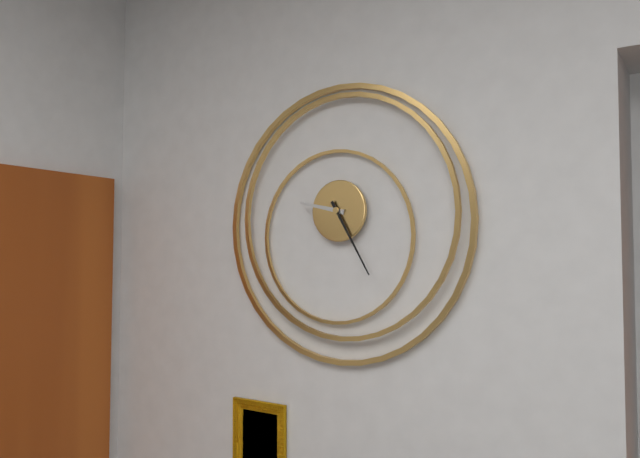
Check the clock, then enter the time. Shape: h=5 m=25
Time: h=9 m=25
